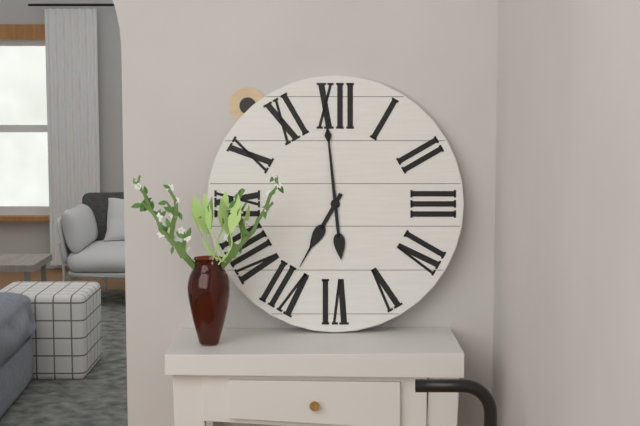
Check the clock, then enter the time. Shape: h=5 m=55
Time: h=6 m=59
